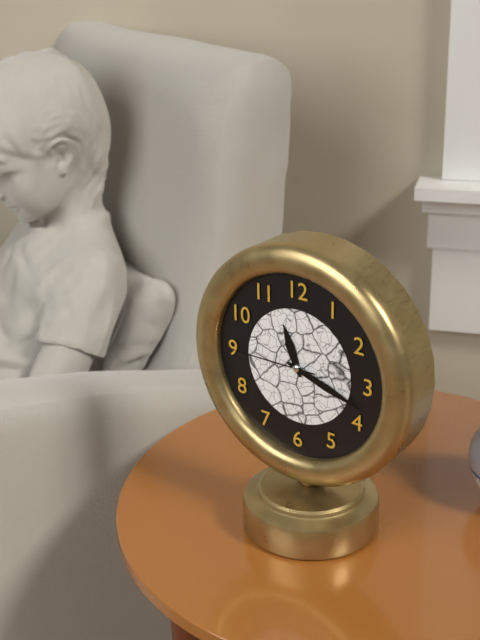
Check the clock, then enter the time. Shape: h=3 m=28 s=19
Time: h=11 m=18 s=45
